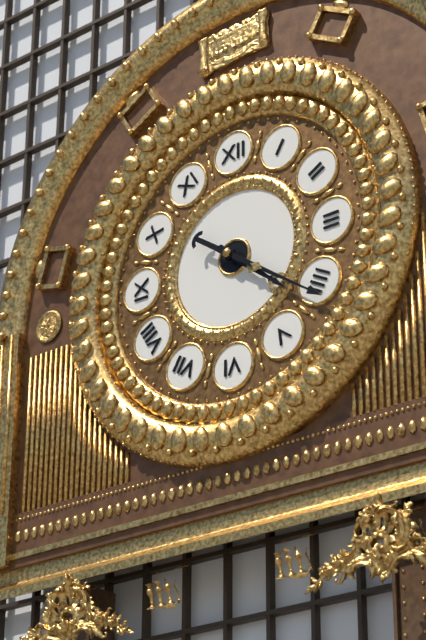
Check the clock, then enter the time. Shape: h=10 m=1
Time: h=4 m=21
